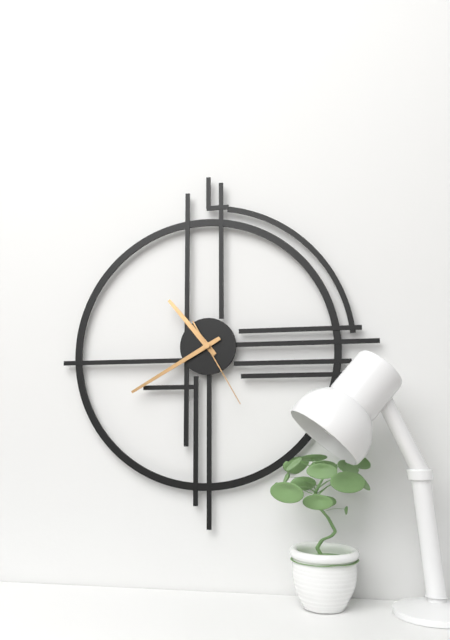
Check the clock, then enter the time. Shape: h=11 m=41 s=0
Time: h=10 m=40 s=25
